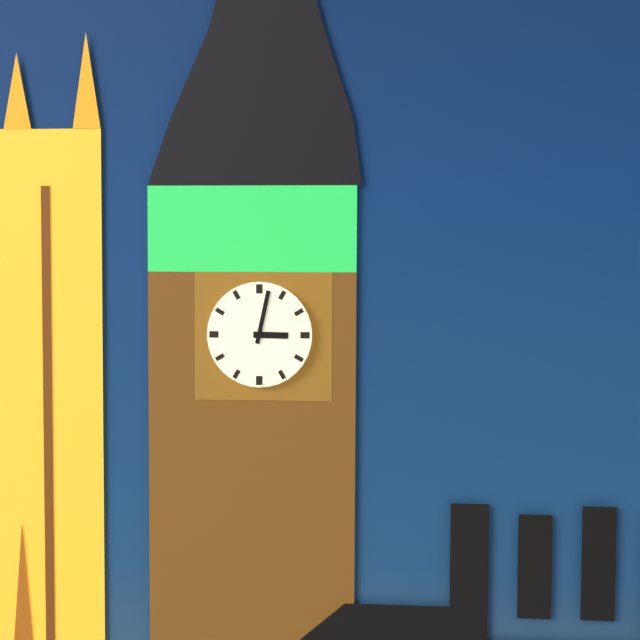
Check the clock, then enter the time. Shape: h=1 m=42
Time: h=3 m=2
